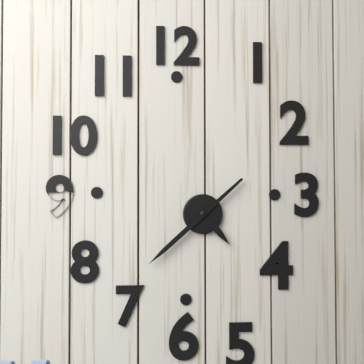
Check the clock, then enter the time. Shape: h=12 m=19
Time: h=4 m=38
